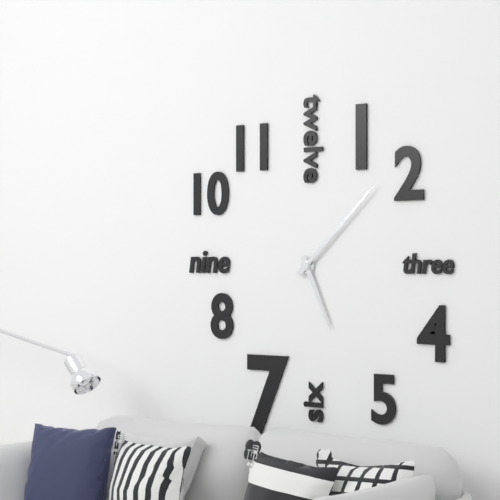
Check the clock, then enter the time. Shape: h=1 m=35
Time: h=5 m=8
